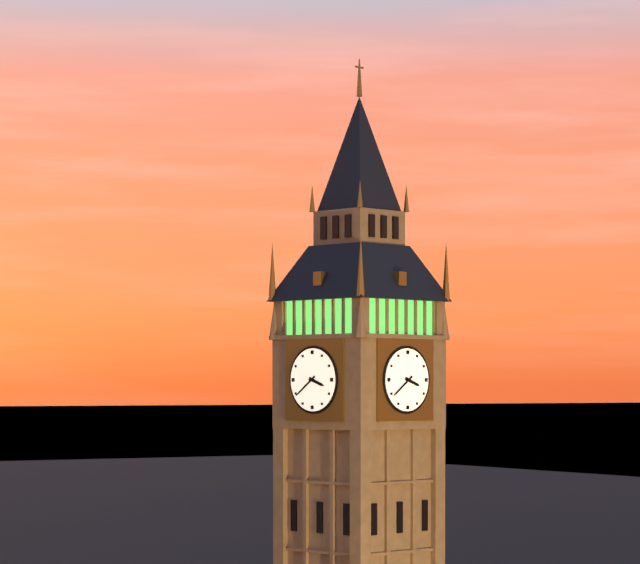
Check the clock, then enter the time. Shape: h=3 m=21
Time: h=3 m=39
